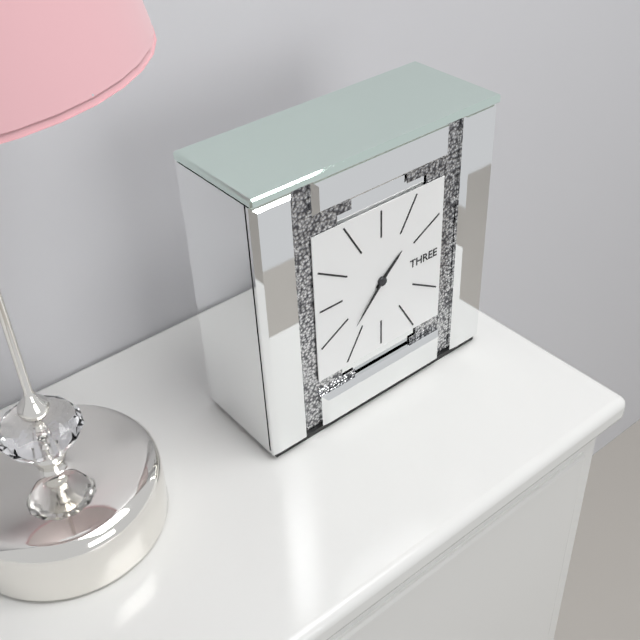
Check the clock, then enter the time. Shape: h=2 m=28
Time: h=1 m=37
